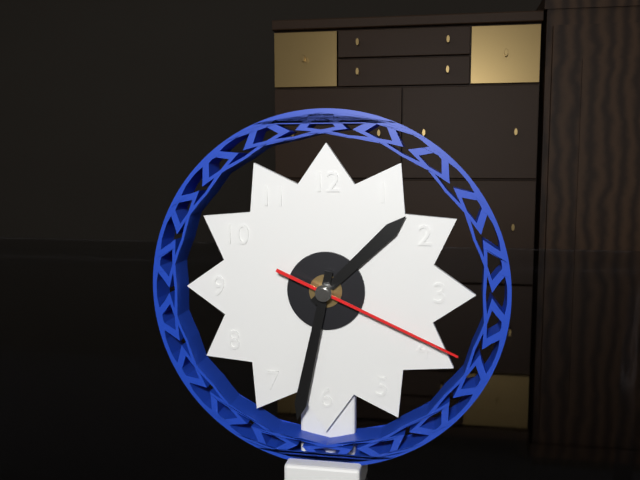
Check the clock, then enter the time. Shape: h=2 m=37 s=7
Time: h=1 m=32 s=19
